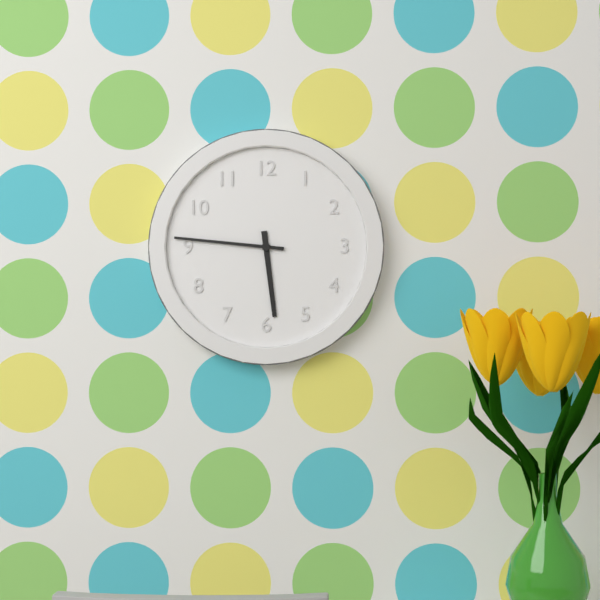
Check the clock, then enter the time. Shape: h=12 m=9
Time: h=5 m=46
